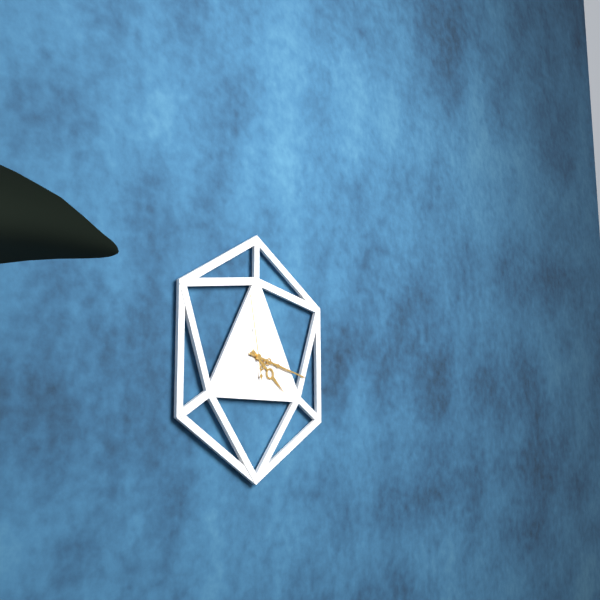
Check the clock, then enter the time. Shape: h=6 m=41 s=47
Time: h=4 m=17 s=58
